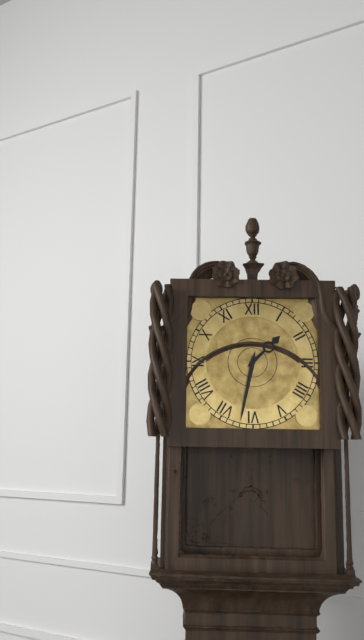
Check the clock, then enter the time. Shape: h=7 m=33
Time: h=1 m=32
